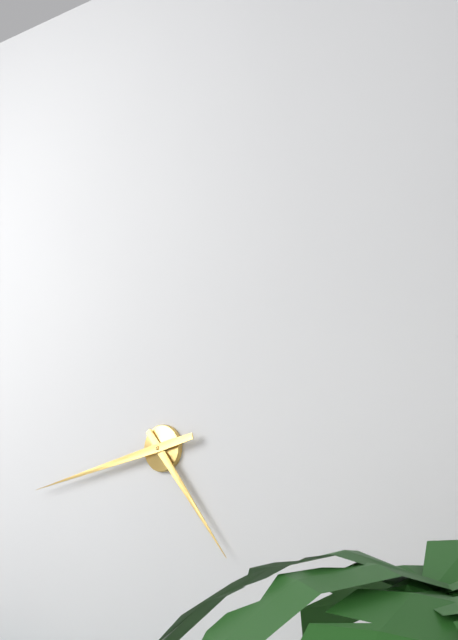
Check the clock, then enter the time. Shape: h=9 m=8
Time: h=4 m=43
